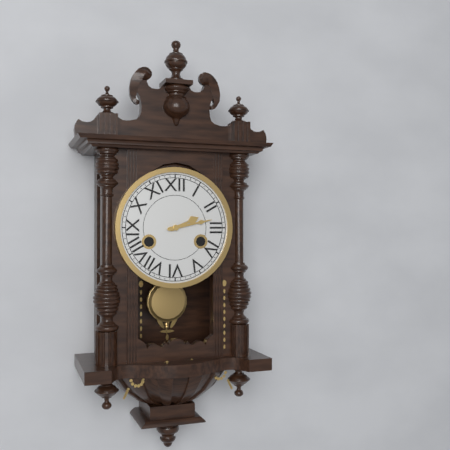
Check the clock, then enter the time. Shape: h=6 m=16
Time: h=2 m=13
